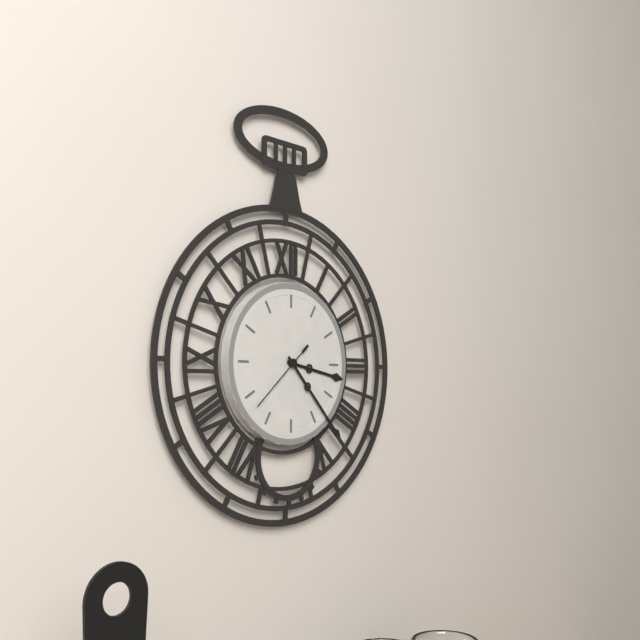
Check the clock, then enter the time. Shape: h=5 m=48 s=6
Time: h=3 m=23 s=38
